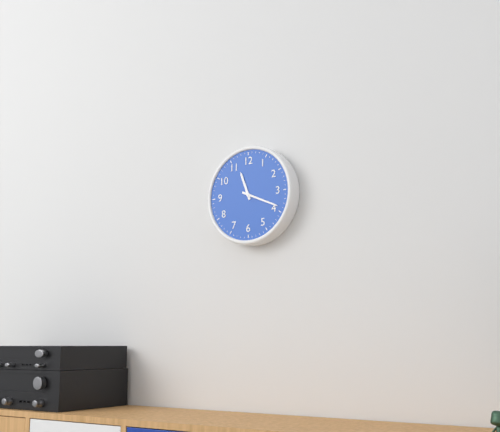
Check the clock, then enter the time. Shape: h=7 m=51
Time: h=11 m=19
